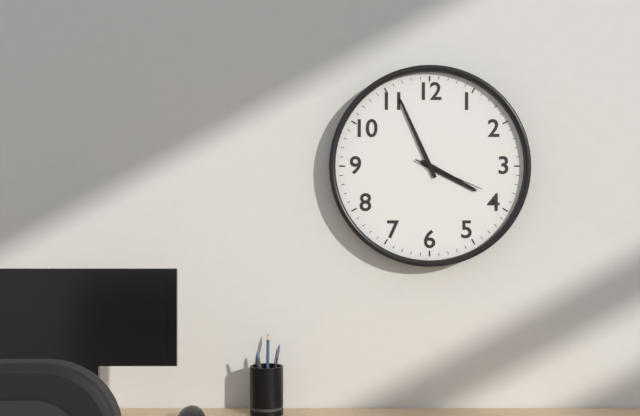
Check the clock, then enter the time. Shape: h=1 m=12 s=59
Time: h=3 m=56 s=19
